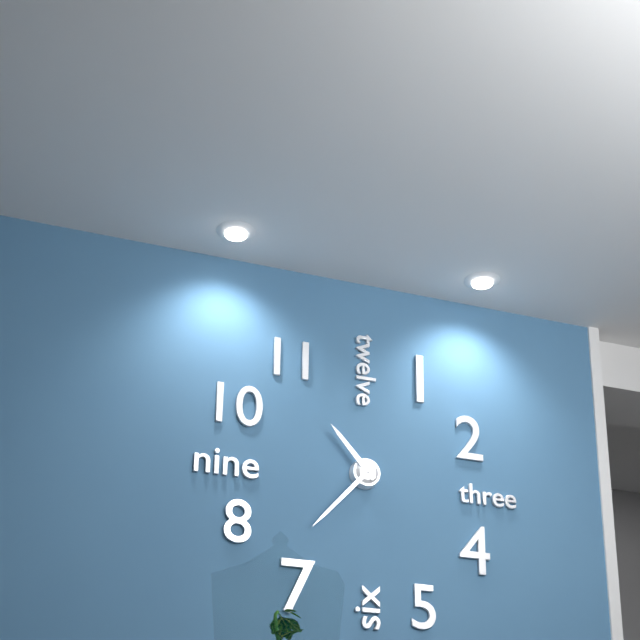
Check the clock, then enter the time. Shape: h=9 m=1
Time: h=10 m=37
